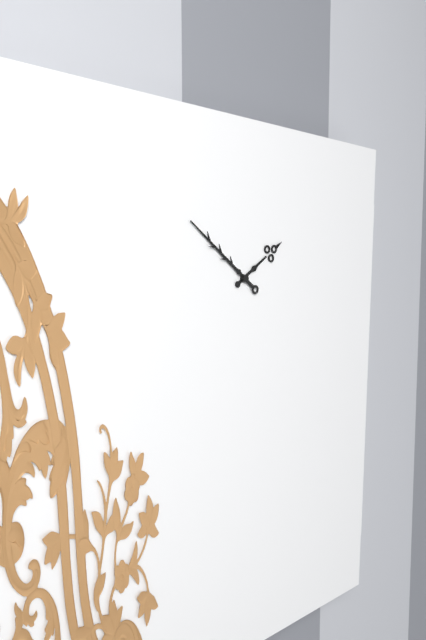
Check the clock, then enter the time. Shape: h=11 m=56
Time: h=1 m=51
